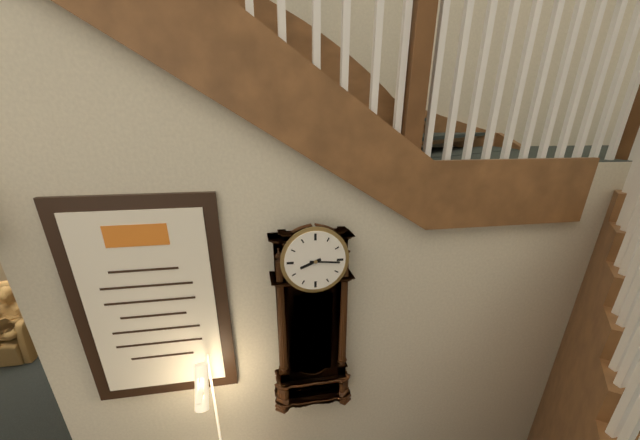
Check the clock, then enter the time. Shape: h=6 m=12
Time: h=8 m=16
